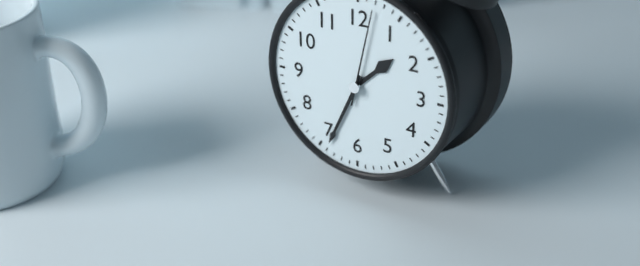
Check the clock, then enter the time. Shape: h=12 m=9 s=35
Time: h=1 m=34 s=2
